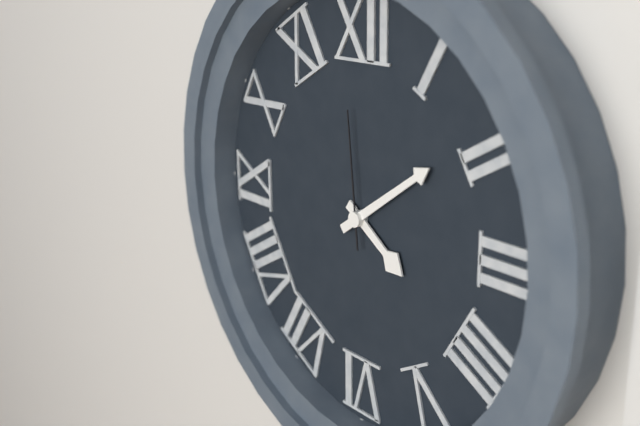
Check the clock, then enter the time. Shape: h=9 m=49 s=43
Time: h=4 m=9 s=59
